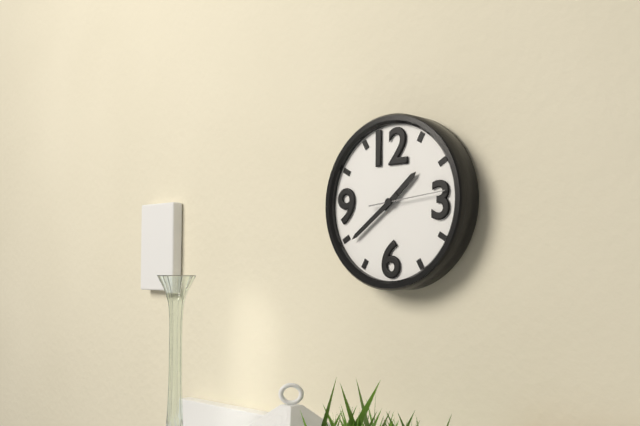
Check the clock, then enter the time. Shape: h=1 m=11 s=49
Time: h=1 m=39 s=14
